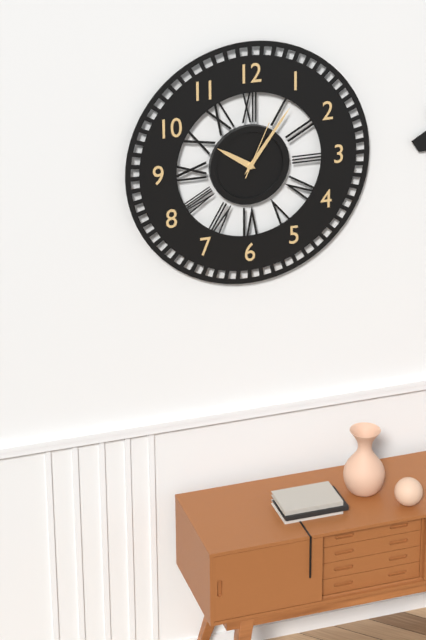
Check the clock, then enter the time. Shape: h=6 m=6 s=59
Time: h=10 m=6 s=4
